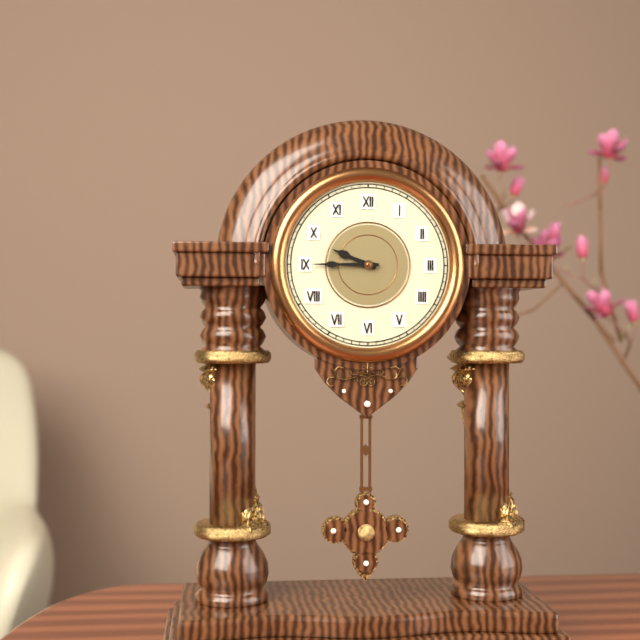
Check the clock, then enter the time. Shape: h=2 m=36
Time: h=9 m=45
